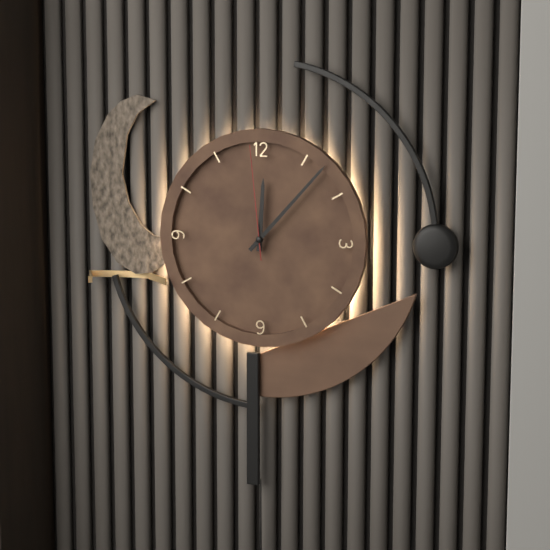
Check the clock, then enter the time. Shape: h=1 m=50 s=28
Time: h=12 m=7 s=59
